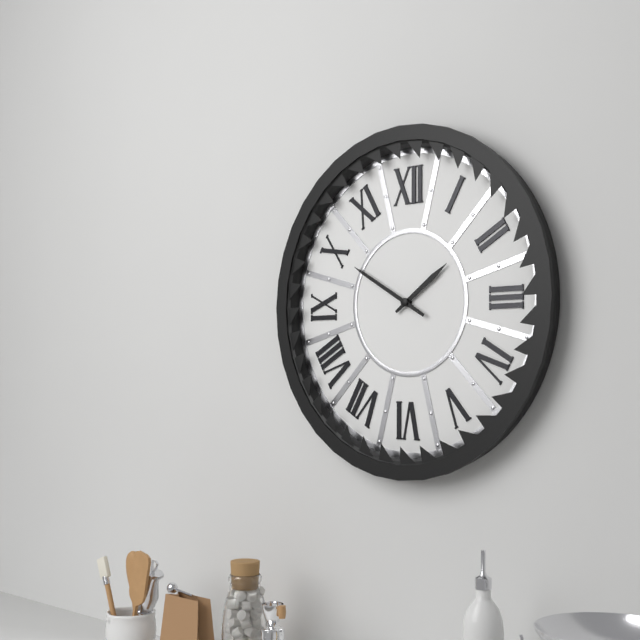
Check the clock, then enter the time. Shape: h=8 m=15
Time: h=1 m=50
